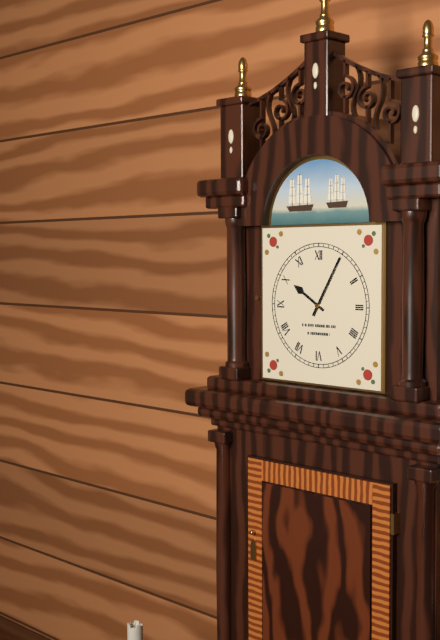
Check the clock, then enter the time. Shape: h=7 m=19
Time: h=10 m=5
